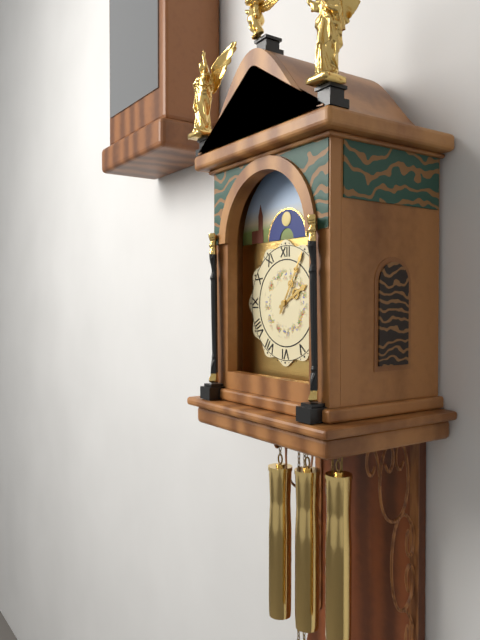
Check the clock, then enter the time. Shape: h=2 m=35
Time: h=2 m=5
